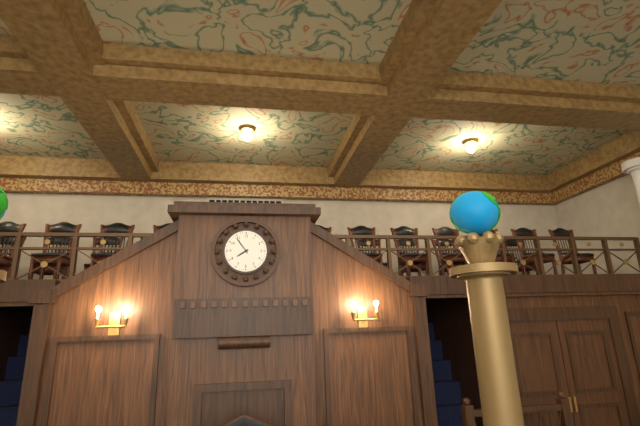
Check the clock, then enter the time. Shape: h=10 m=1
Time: h=7 m=54
